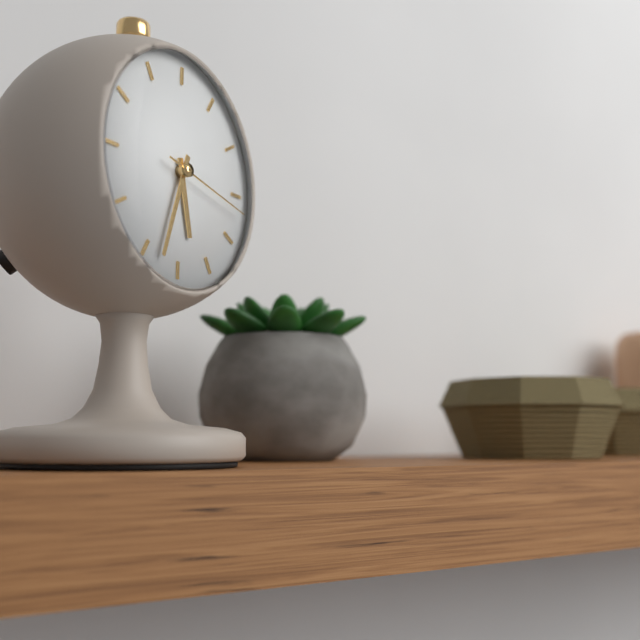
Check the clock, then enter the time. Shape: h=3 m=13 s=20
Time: h=5 m=33 s=17
